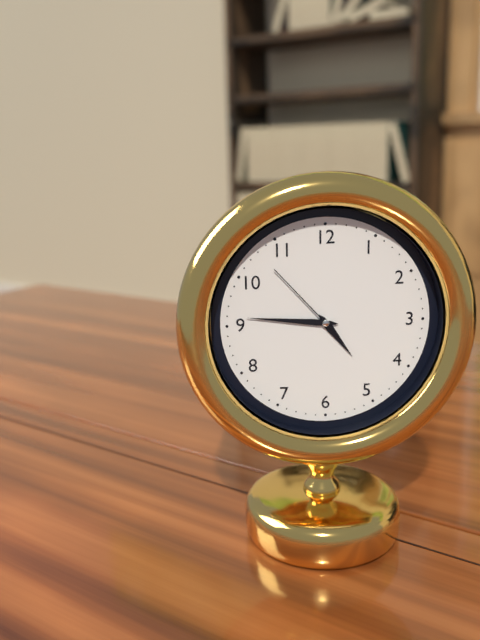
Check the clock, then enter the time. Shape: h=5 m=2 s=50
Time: h=4 m=46 s=53
